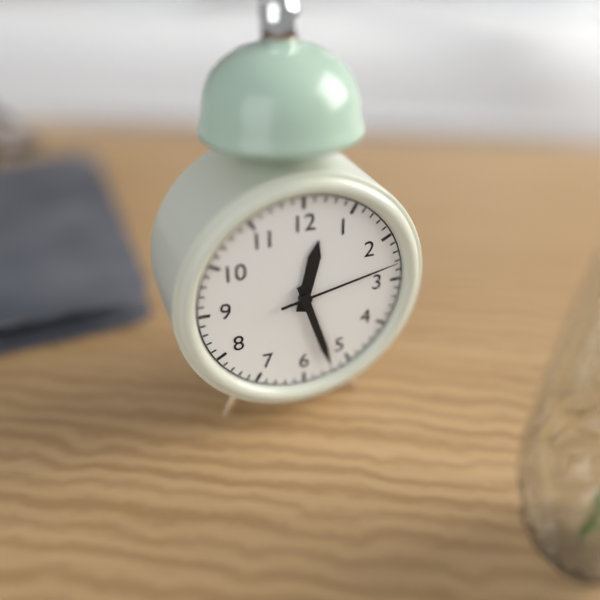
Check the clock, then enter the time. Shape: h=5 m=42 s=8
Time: h=12 m=27 s=13
